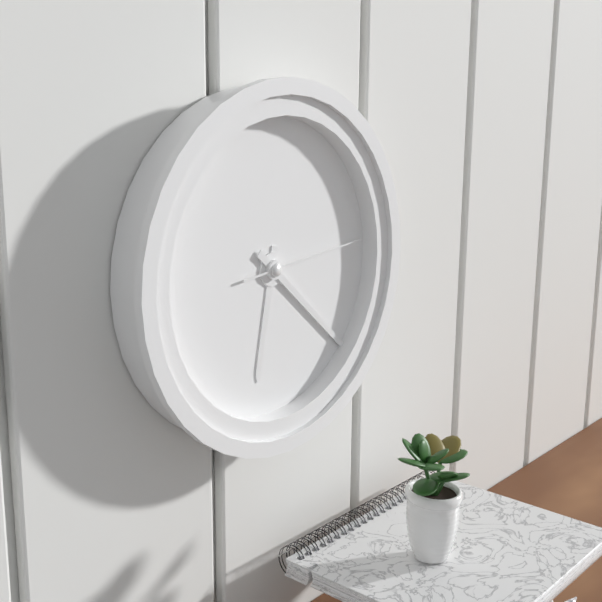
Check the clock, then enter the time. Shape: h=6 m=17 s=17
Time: h=6 m=22 s=14
